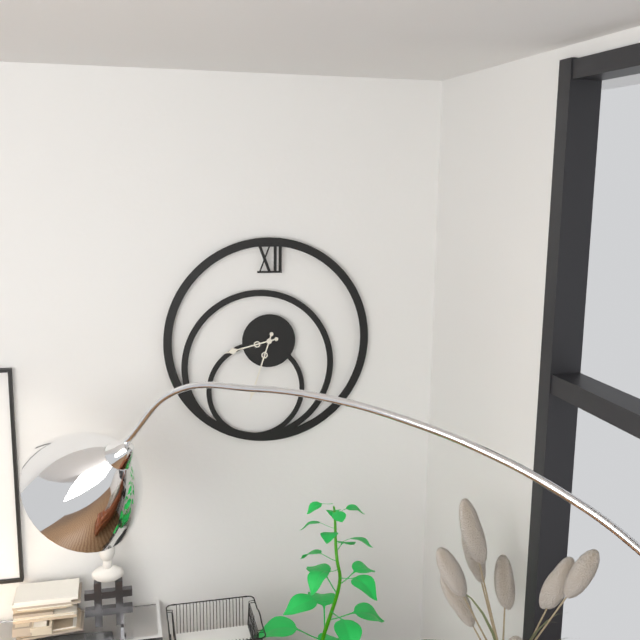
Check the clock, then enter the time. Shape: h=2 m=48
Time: h=8 m=33
